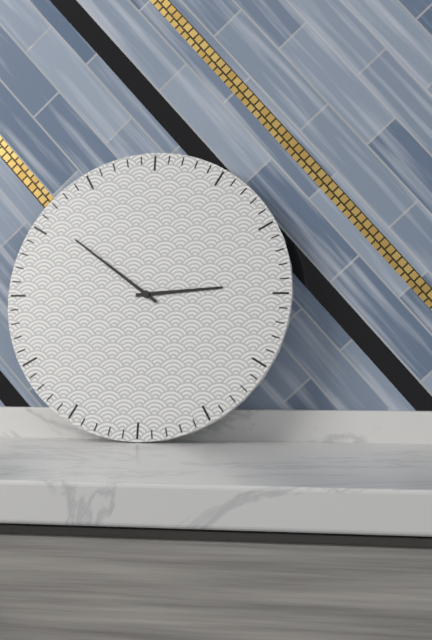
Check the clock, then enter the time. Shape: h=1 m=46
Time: h=2 m=51
